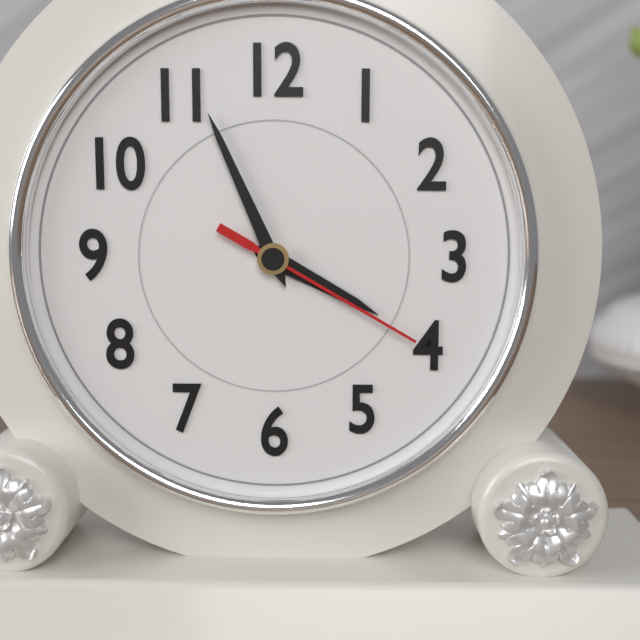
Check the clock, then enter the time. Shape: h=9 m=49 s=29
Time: h=3 m=56 s=20
